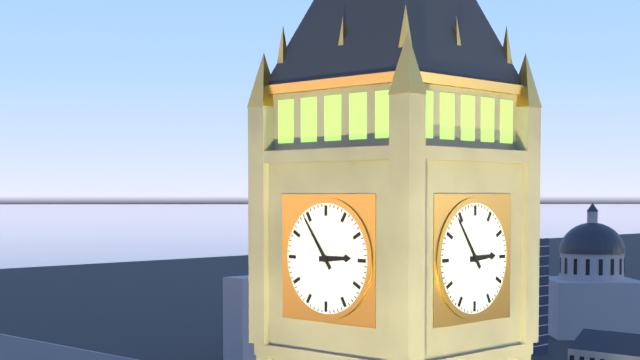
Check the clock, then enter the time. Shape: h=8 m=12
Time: h=2 m=54
